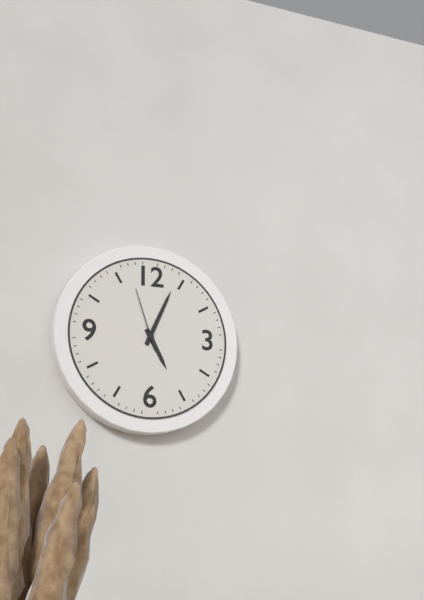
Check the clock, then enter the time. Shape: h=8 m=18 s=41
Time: h=5 m=4 s=57
